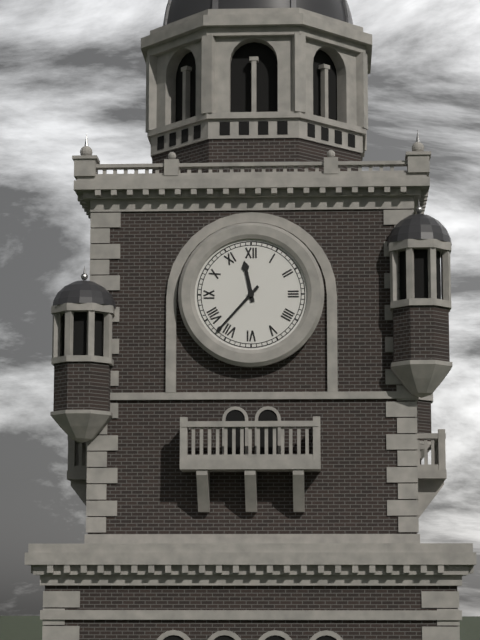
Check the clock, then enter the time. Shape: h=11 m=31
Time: h=11 m=37
